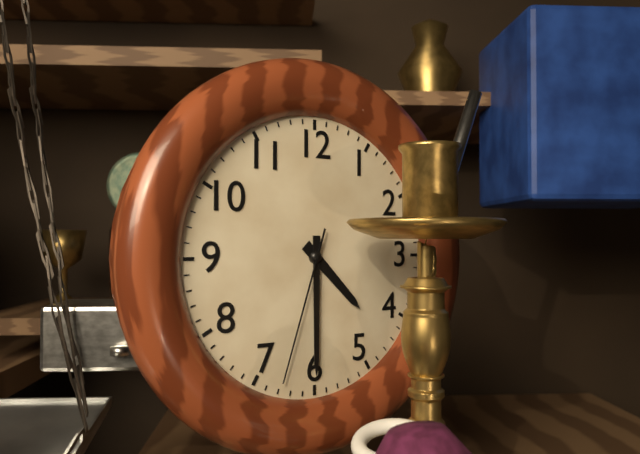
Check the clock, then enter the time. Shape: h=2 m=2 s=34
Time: h=4 m=30 s=33
